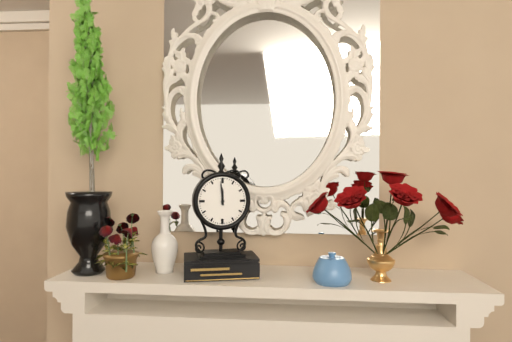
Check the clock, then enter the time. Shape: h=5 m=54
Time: h=11 m=59
